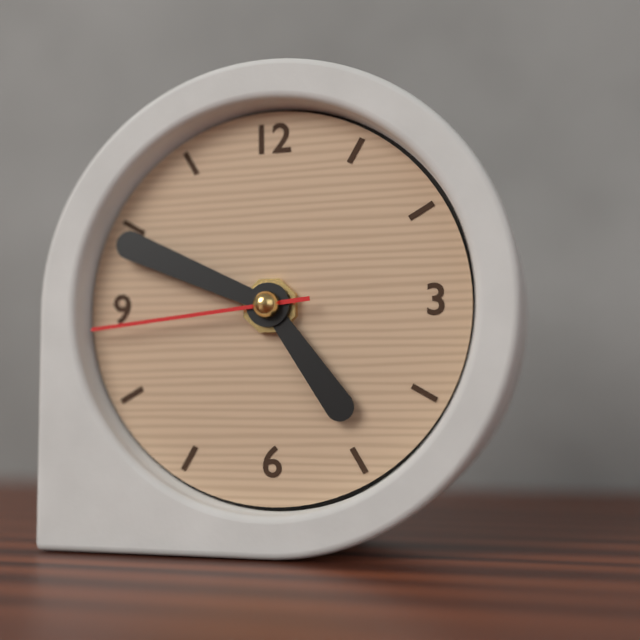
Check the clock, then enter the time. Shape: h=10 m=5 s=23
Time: h=4 m=49 s=44
